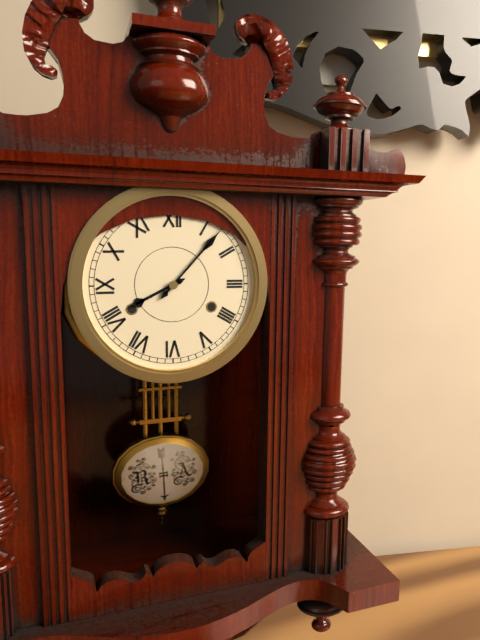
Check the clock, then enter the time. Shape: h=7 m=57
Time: h=8 m=7
